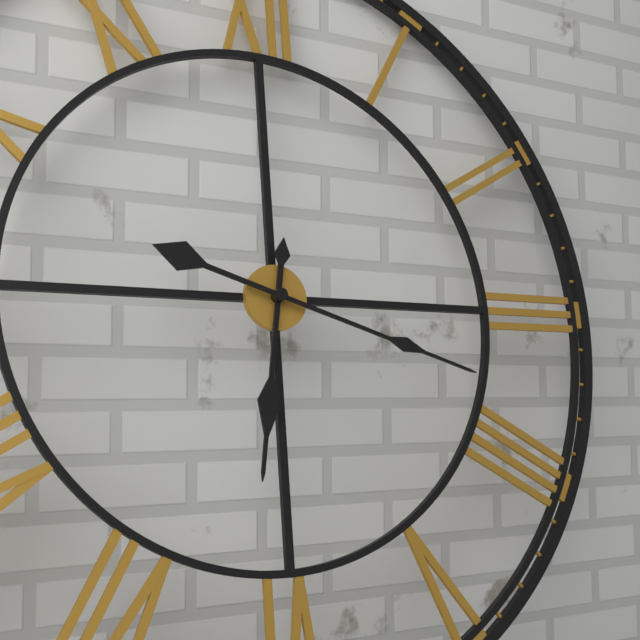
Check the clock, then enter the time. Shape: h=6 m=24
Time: h=6 m=18
